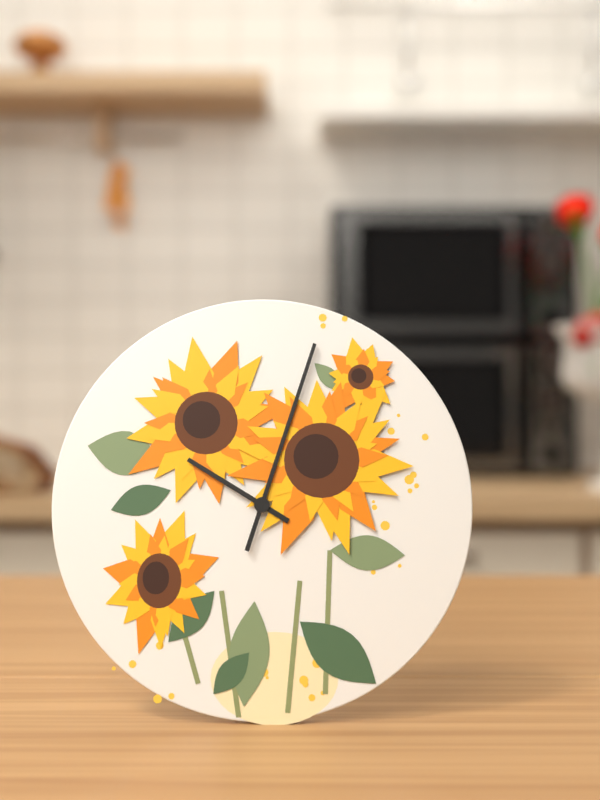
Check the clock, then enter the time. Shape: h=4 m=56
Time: h=10 m=3
